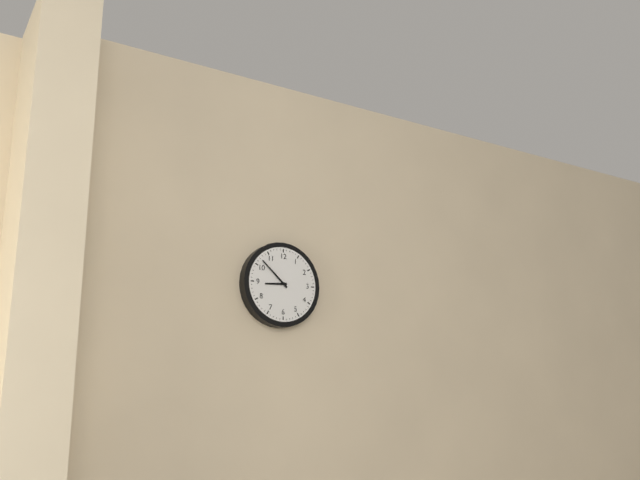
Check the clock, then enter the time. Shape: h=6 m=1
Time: h=8 m=52
